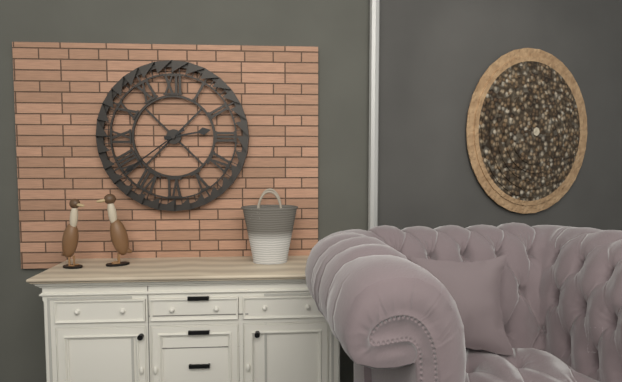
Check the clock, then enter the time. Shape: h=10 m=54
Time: h=2 m=39
